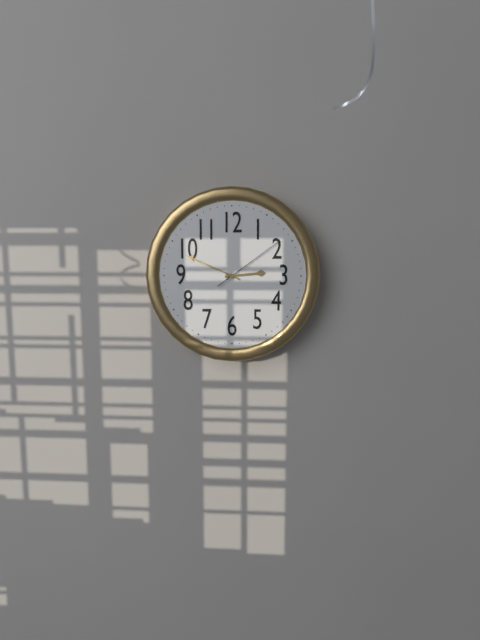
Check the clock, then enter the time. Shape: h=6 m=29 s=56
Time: h=2 m=49 s=9
